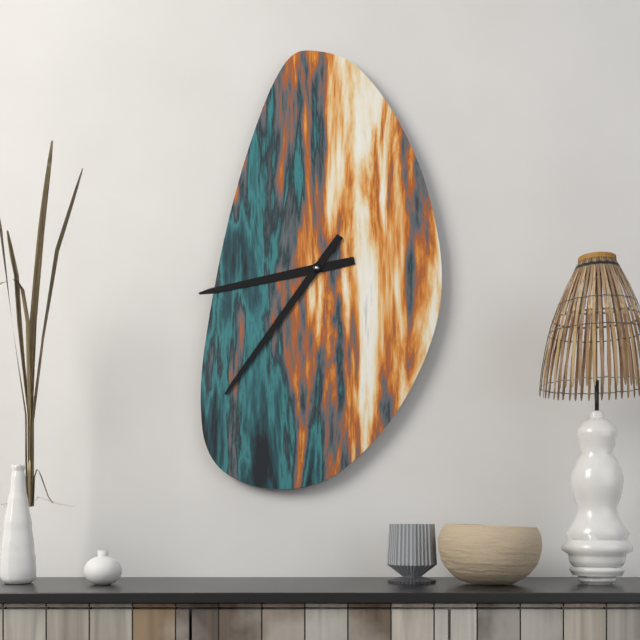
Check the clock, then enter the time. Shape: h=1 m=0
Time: h=8 m=36
